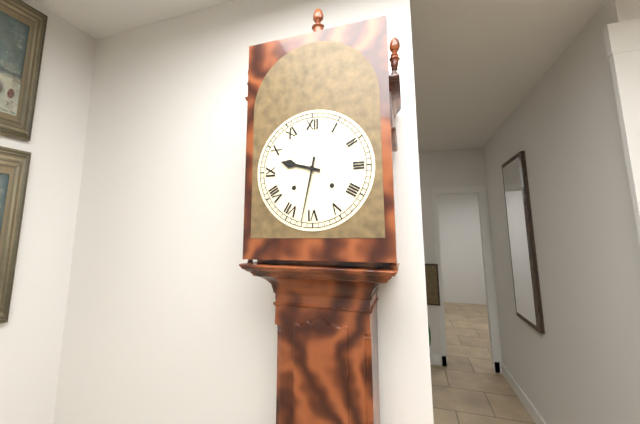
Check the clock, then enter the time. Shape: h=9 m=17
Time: h=9 m=32
